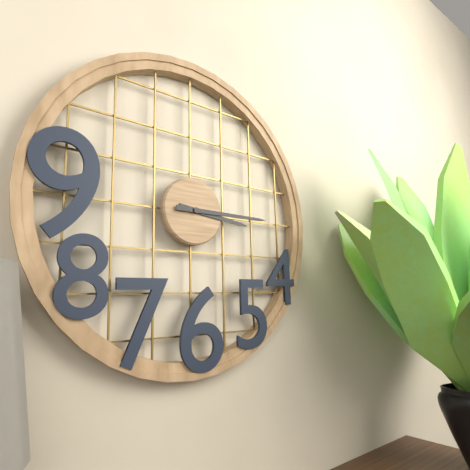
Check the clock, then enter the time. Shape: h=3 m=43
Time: h=3 m=15
